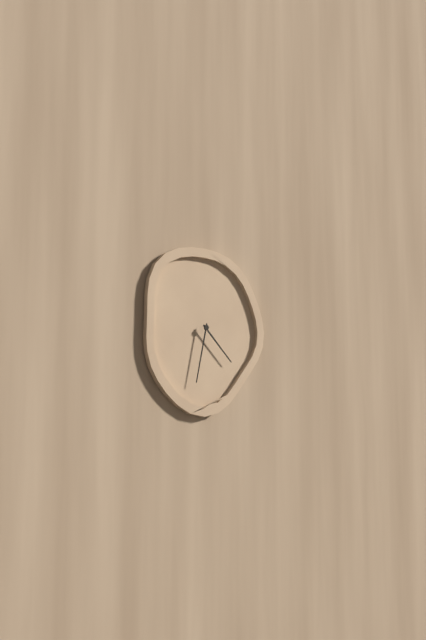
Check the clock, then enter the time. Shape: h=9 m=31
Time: h=4 m=32
